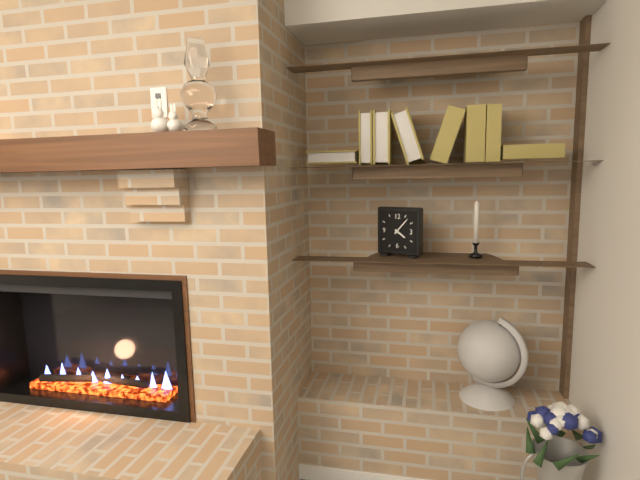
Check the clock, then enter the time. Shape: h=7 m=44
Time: h=4 m=7
